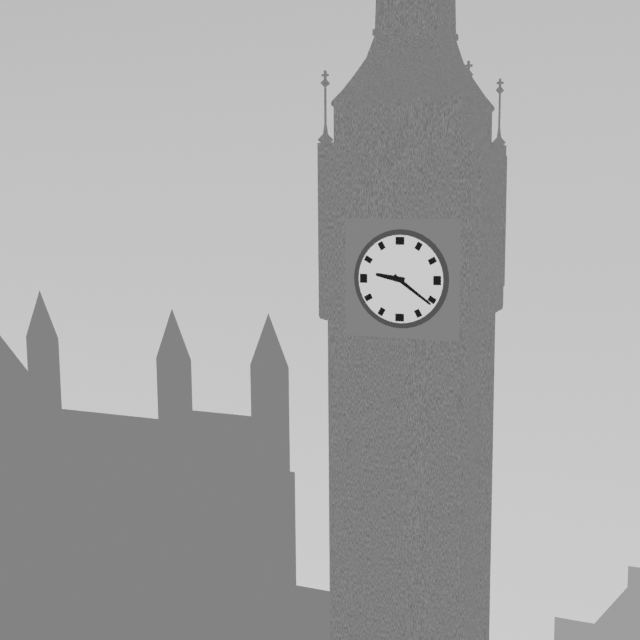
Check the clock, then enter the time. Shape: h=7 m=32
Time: h=9 m=21
